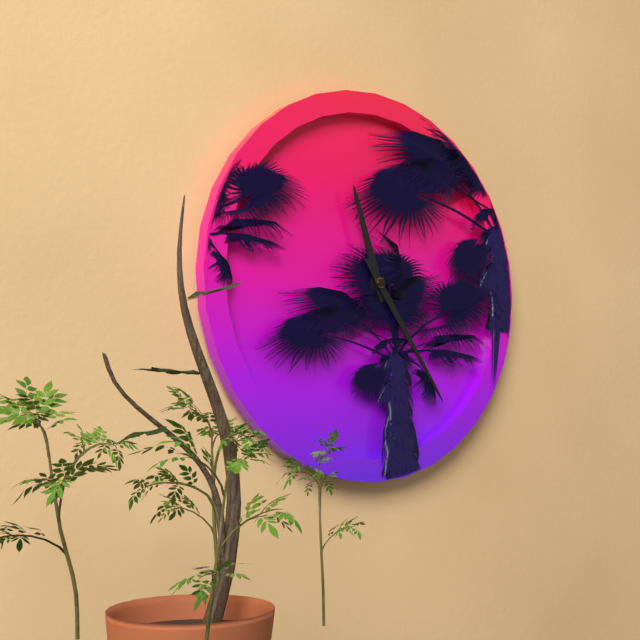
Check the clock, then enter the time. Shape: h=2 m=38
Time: h=11 m=24
